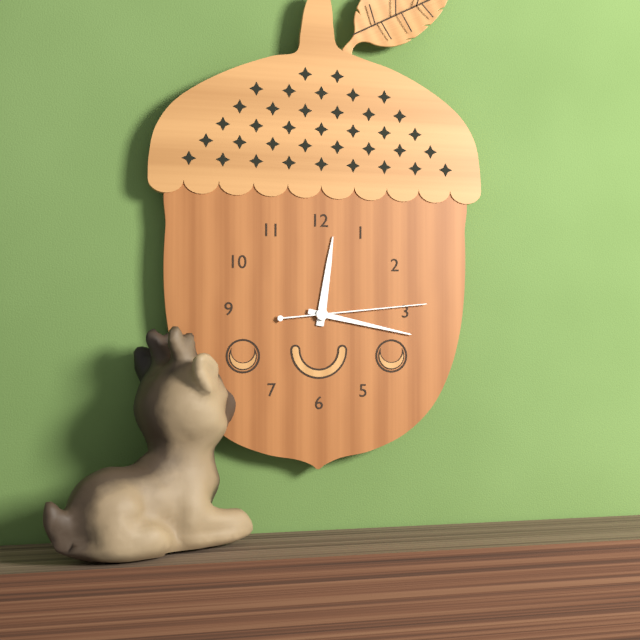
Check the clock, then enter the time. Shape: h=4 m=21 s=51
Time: h=12 m=17 s=14
